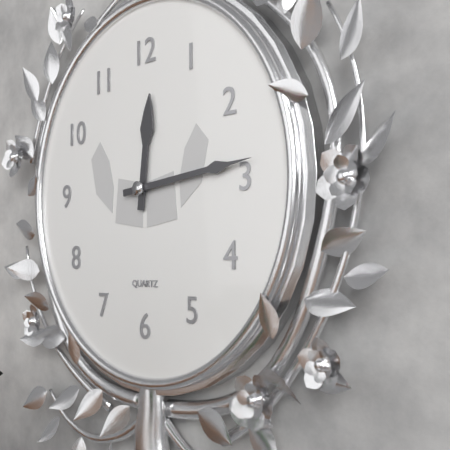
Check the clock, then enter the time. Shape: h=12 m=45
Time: h=12 m=14
